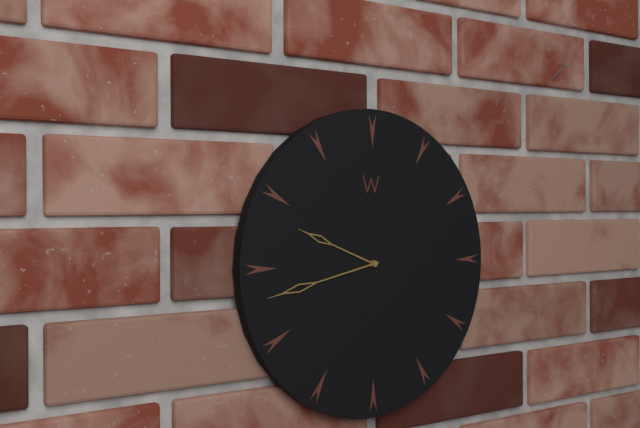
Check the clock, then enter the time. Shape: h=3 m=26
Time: h=9 m=43
